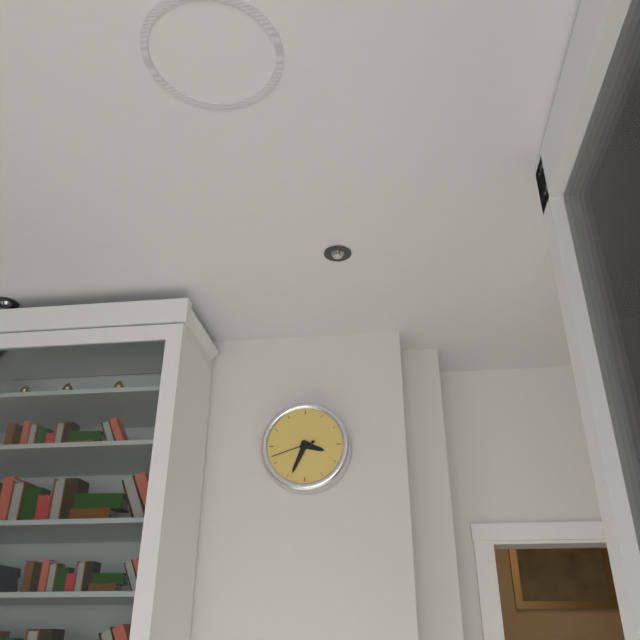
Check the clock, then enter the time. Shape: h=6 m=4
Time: h=3 m=34
